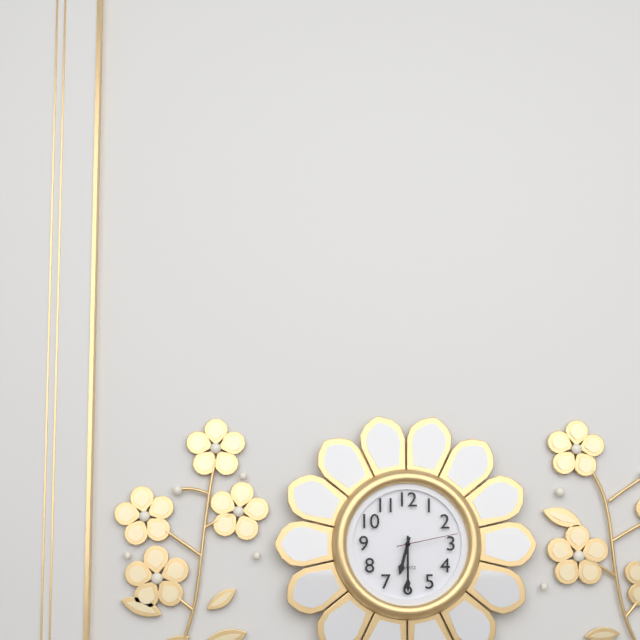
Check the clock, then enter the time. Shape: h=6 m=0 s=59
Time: h=6 m=30 s=13
